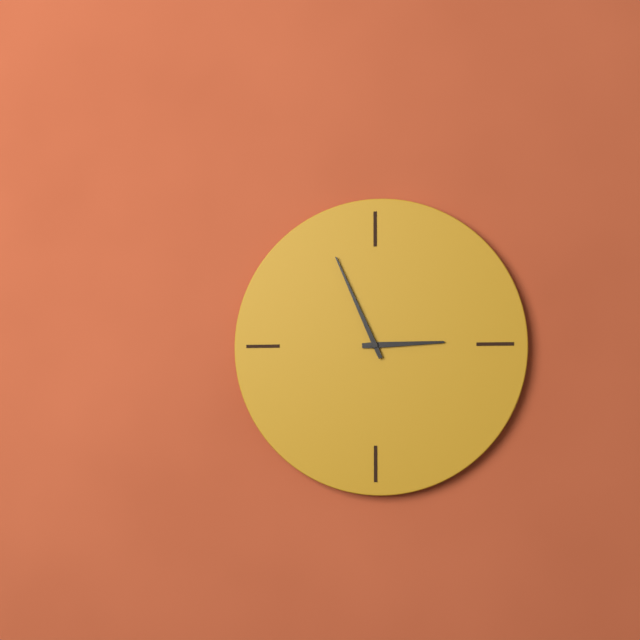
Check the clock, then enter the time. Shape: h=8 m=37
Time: h=2 m=56
